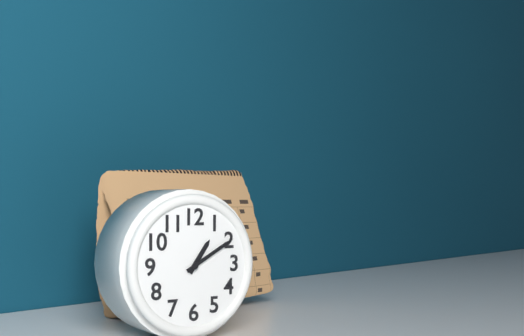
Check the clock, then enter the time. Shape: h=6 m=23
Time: h=1 m=10
